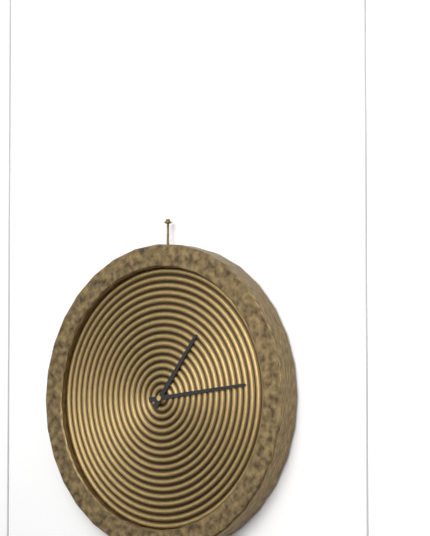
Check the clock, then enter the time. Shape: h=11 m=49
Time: h=1 m=14
